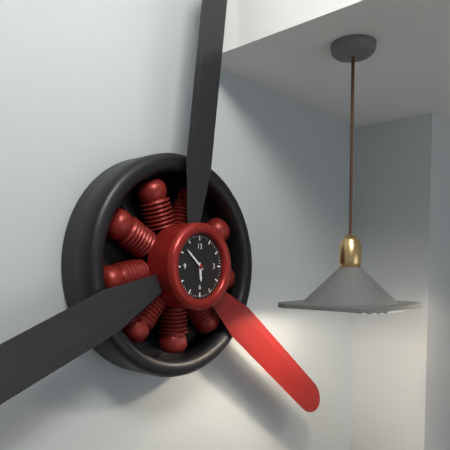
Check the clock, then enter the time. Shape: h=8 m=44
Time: h=5 m=52
